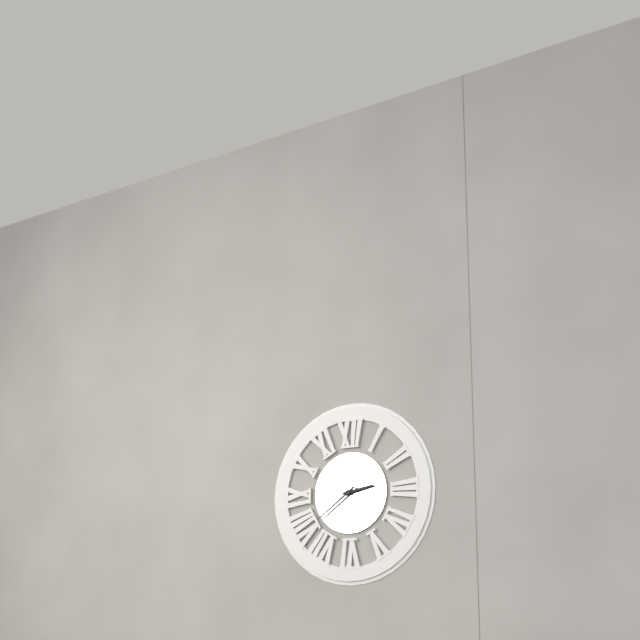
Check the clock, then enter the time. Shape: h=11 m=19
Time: h=2 m=39
